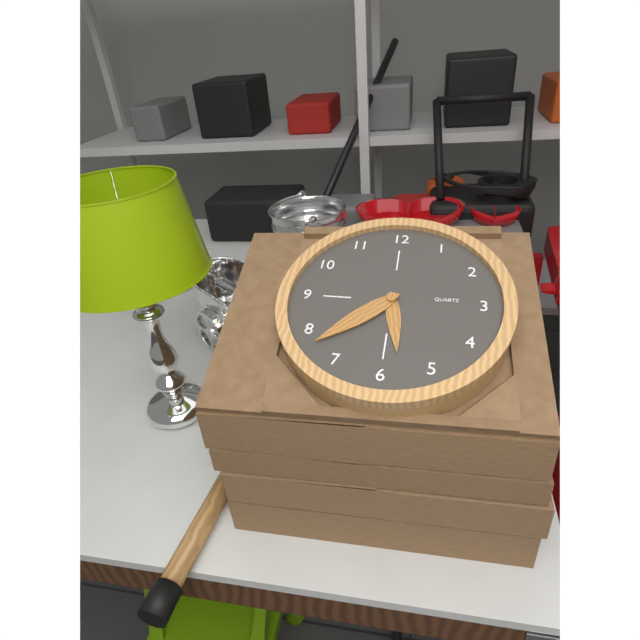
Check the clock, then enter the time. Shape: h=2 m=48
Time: h=5 m=38
